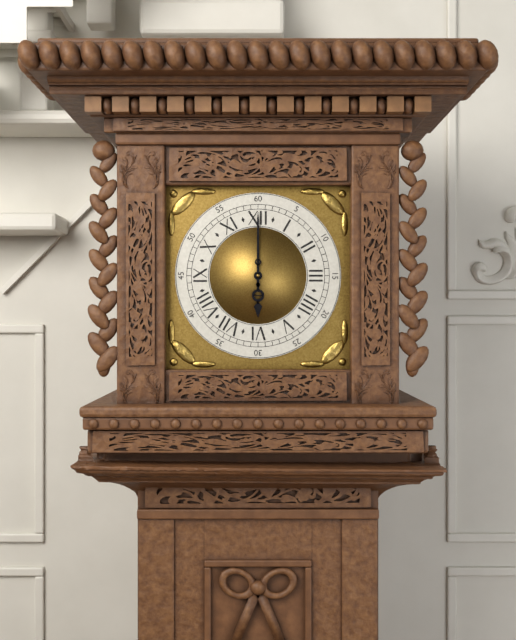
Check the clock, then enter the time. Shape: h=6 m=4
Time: h=6 m=0
